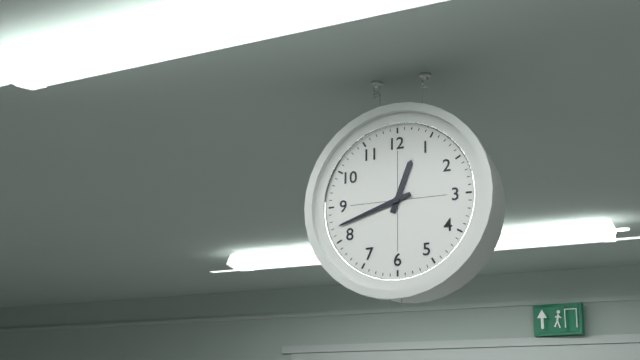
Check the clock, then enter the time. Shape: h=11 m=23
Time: h=12 m=42
